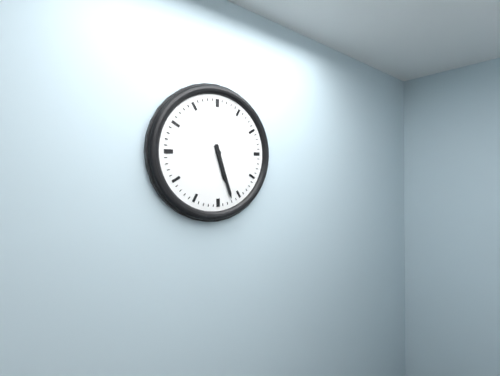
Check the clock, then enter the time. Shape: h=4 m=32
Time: h=5 m=27
